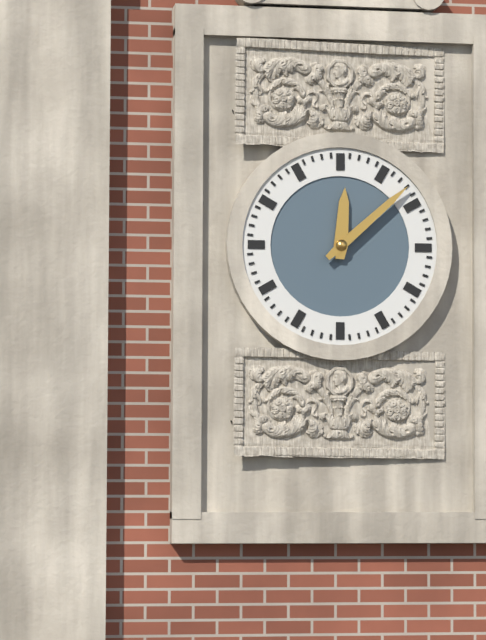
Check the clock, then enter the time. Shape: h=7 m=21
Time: h=12 m=8
